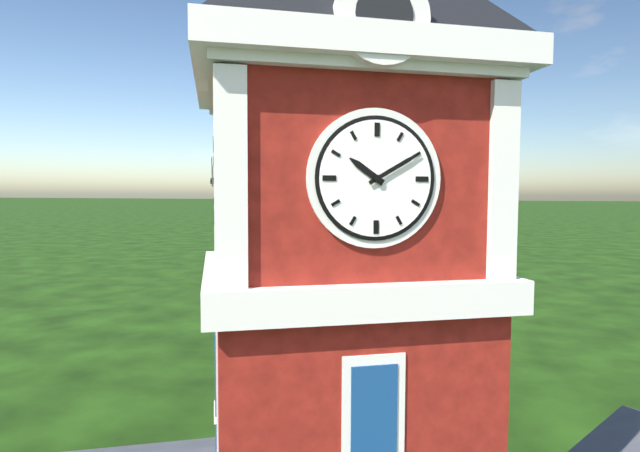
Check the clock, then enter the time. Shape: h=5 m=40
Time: h=10 m=10
